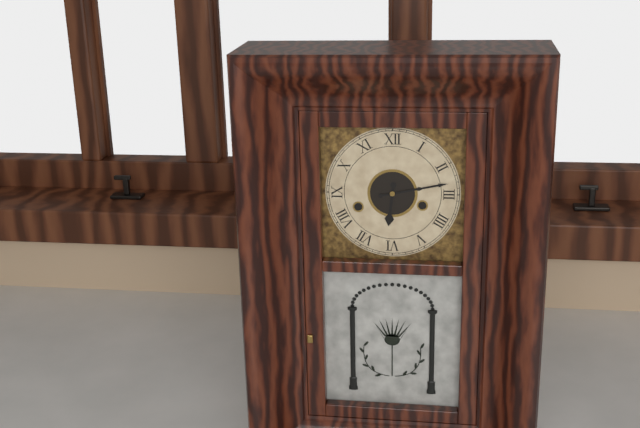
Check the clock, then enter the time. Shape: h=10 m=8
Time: h=6 m=13
